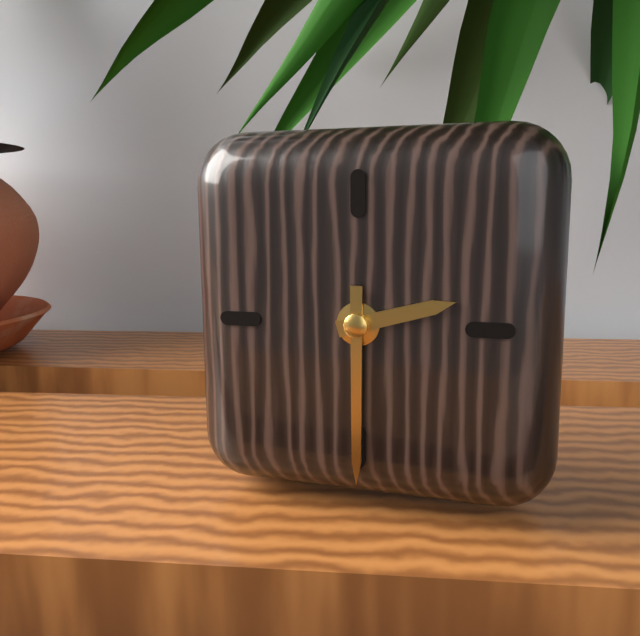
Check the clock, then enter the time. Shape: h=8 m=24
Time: h=2 m=30
